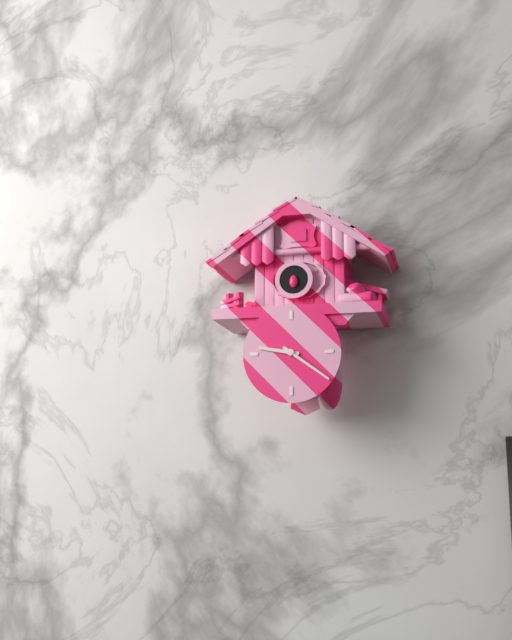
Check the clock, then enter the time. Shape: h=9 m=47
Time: h=9 m=21
